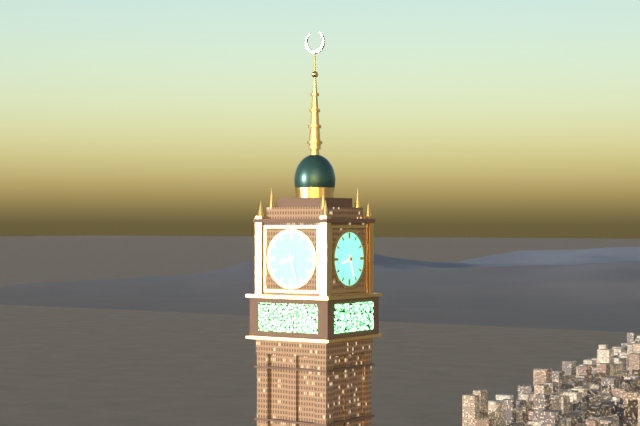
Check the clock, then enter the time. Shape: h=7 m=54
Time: h=8 m=27
